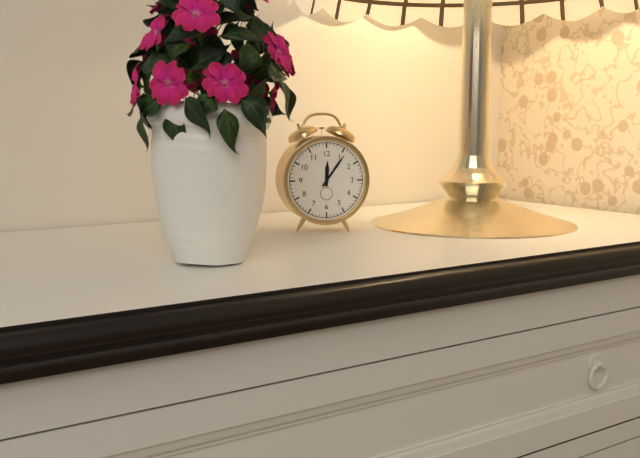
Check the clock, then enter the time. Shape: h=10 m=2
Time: h=12 m=6
